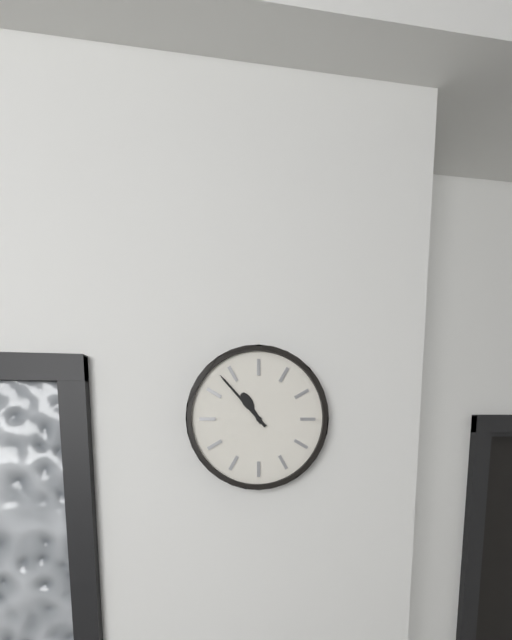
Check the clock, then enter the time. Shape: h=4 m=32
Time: h=10 m=53
